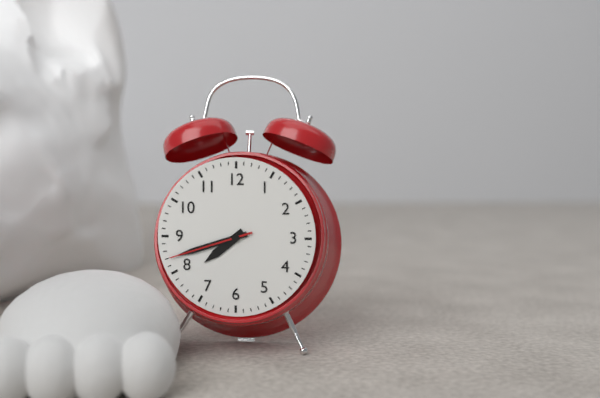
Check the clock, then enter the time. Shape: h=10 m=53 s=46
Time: h=7 m=42 s=42
